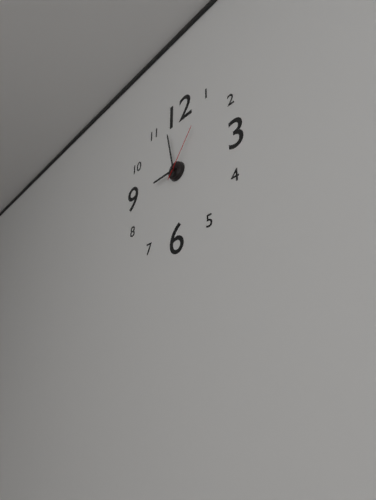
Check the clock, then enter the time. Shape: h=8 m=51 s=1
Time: h=8 m=58 s=6
